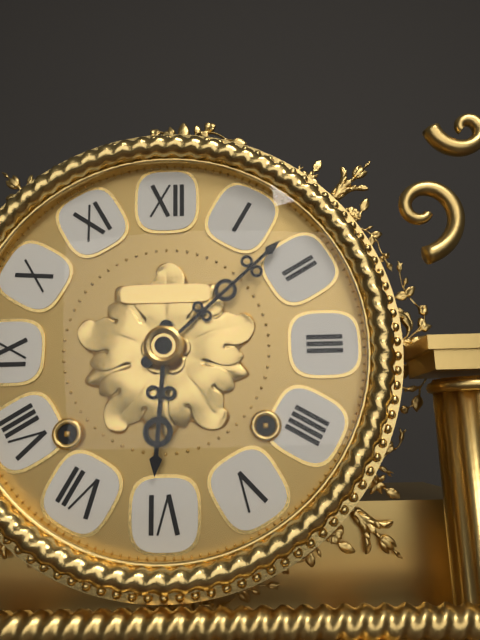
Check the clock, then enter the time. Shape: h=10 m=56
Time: h=6 m=8
